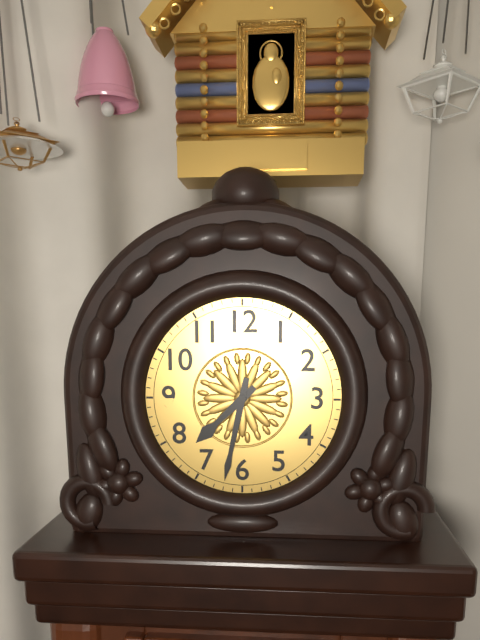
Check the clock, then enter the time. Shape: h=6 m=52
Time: h=7 m=32
